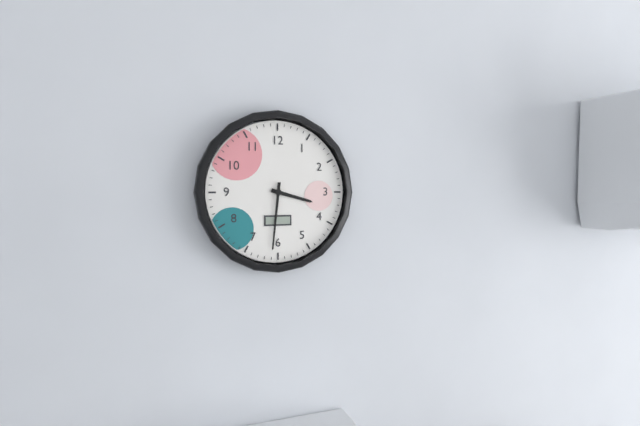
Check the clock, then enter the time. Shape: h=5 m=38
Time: h=3 m=31
